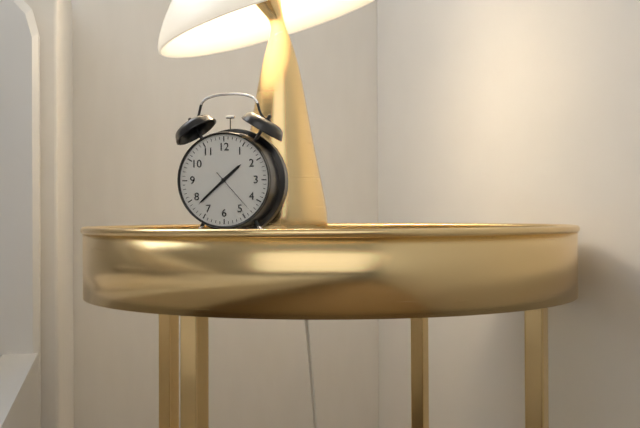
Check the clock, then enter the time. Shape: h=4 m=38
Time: h=1 m=38
